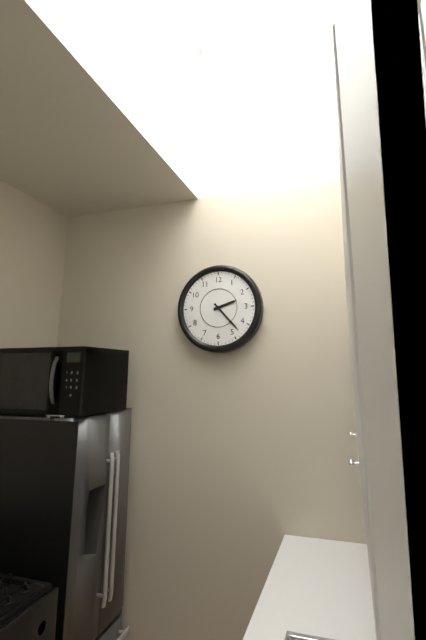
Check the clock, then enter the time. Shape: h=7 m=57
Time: h=2 m=23
